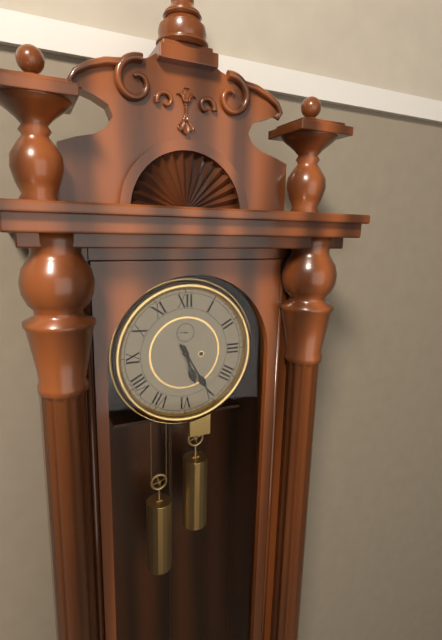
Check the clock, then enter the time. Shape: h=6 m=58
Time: h=5 m=25
